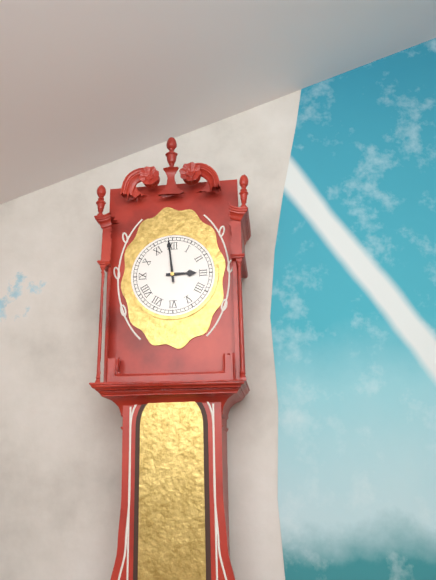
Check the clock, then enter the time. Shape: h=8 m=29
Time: h=2 m=59
